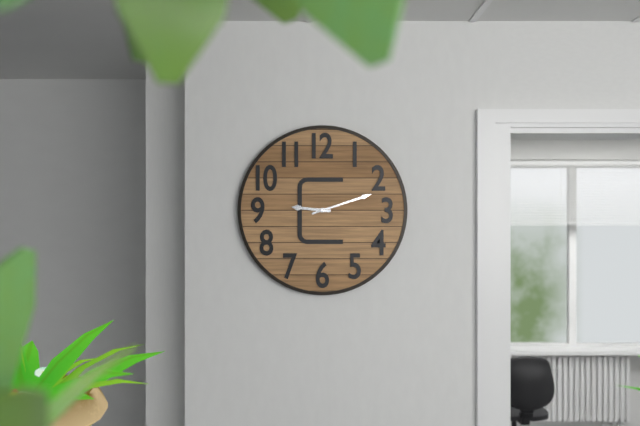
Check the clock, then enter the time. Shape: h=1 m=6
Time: h=9 m=12
